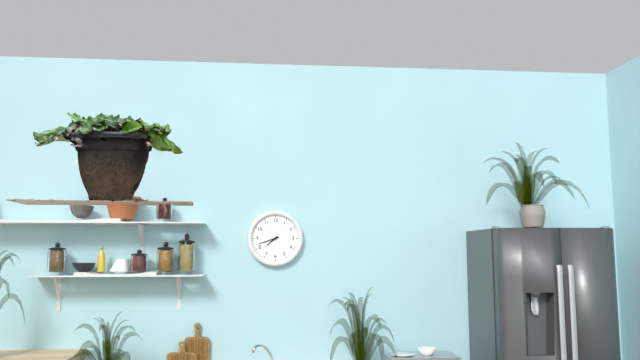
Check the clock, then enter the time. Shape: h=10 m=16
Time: h=7 m=42
